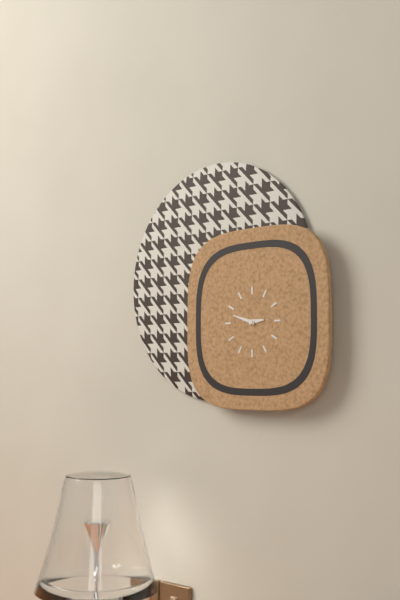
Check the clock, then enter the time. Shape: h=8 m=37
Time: h=2 m=48
